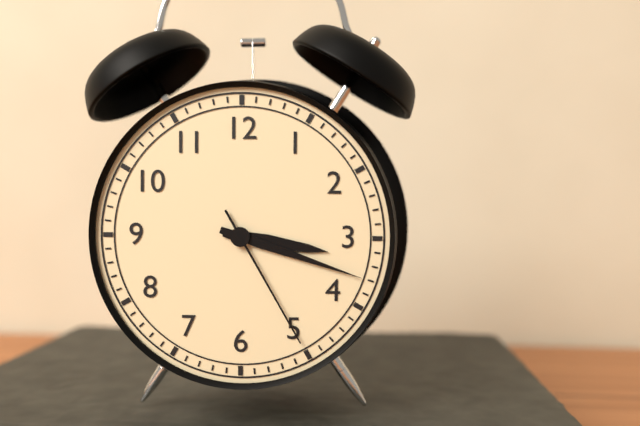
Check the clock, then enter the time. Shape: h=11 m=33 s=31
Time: h=3 m=18 s=25
